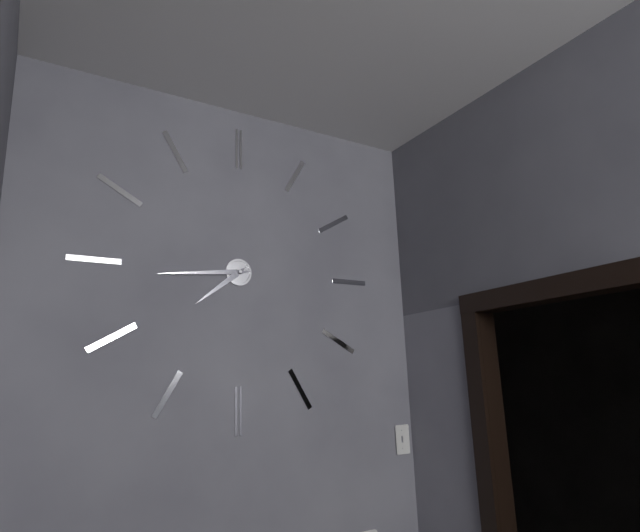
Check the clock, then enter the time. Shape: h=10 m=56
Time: h=7 m=44
